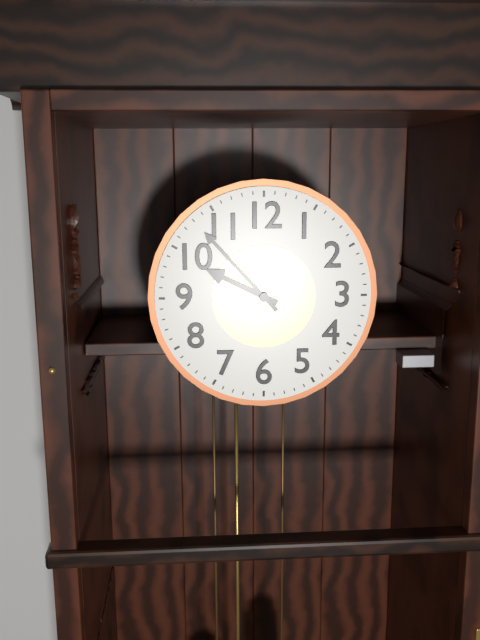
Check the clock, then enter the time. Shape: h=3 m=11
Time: h=9 m=53
